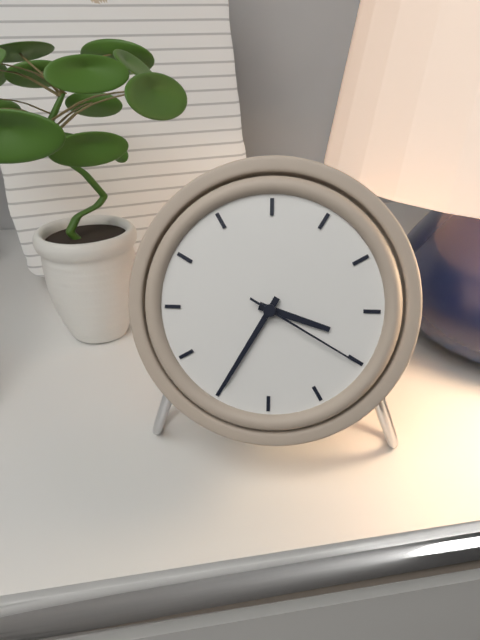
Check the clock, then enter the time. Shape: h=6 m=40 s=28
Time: h=3 m=35 s=20
